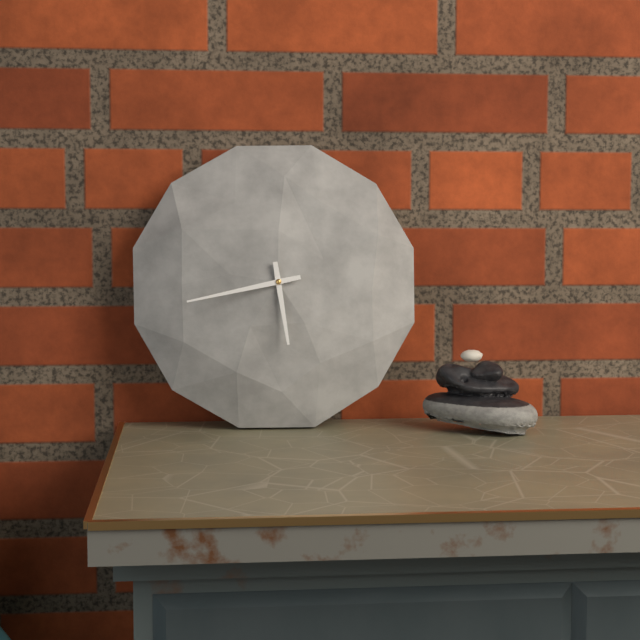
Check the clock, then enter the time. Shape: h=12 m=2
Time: h=5 m=43
